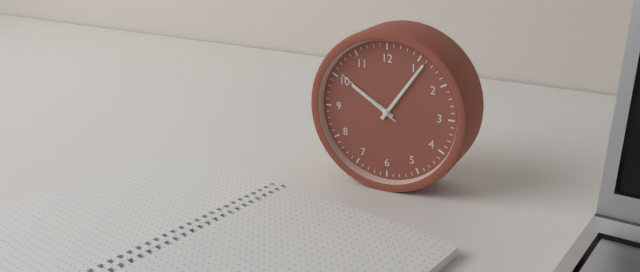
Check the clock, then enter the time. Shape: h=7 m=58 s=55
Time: h=10 m=6 s=51
